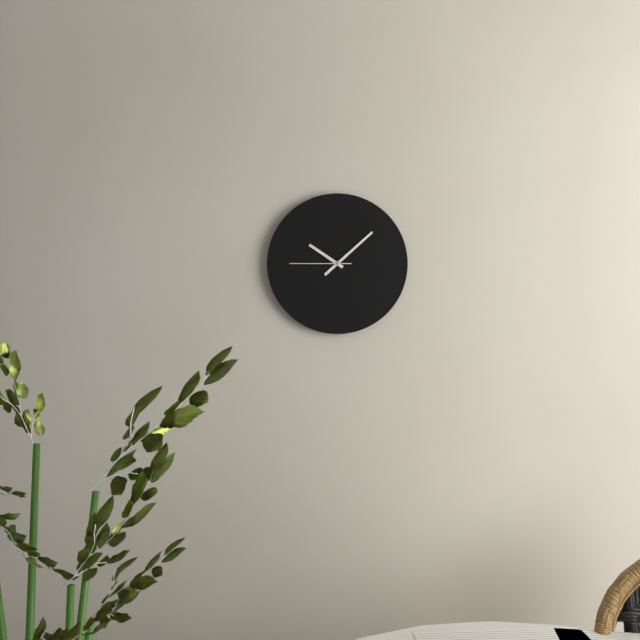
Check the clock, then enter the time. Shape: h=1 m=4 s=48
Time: h=10 m=8 s=45
